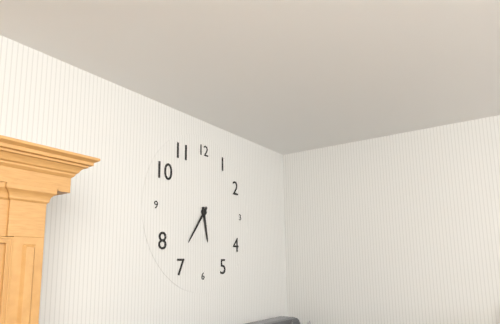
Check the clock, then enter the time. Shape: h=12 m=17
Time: h=5 m=36
